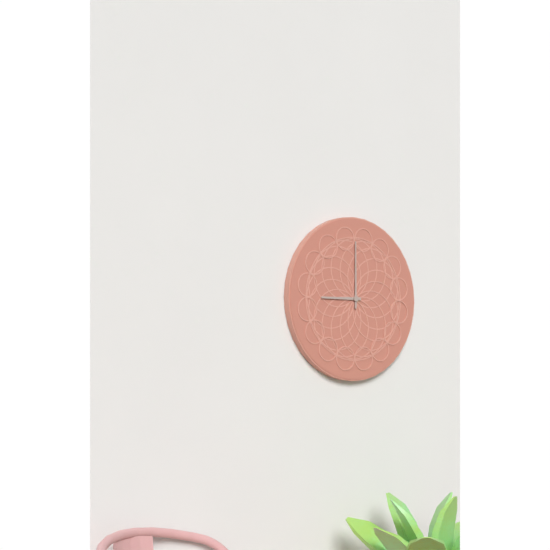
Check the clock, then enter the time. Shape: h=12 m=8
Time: h=9 m=0
